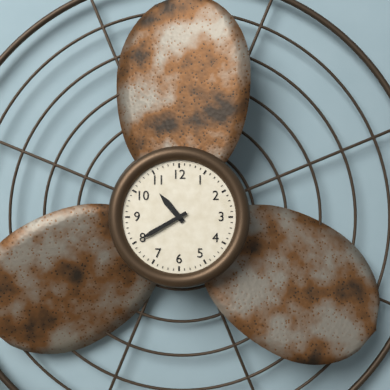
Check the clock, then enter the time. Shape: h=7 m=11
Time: h=10 m=40
